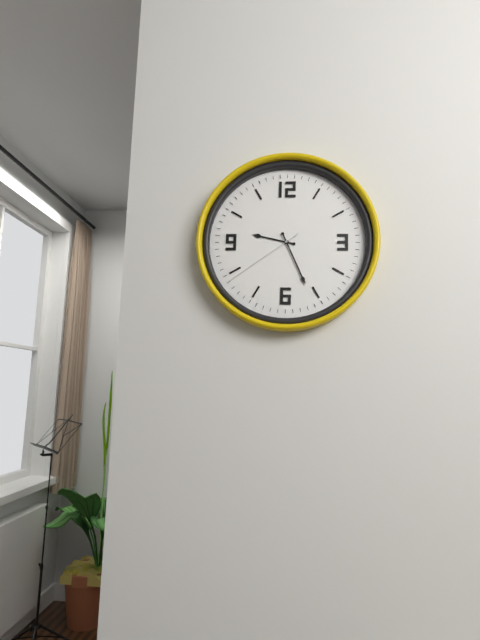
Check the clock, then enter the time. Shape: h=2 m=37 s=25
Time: h=9 m=26 s=39
